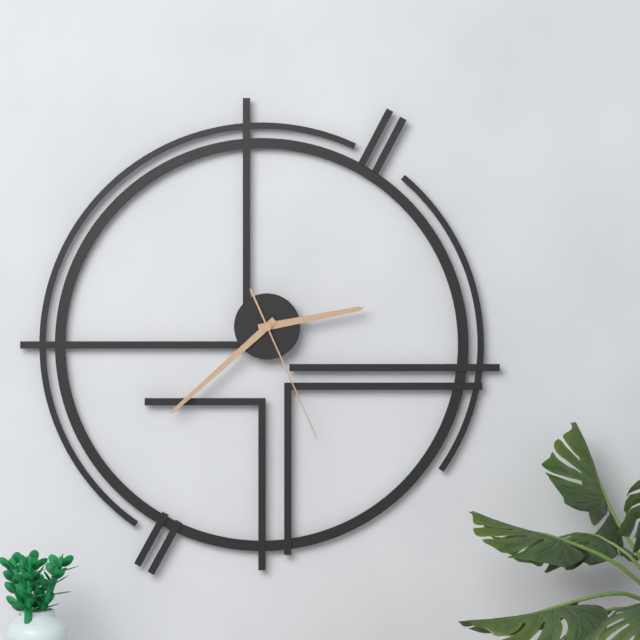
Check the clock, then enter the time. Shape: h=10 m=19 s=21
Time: h=2 m=38 s=26
